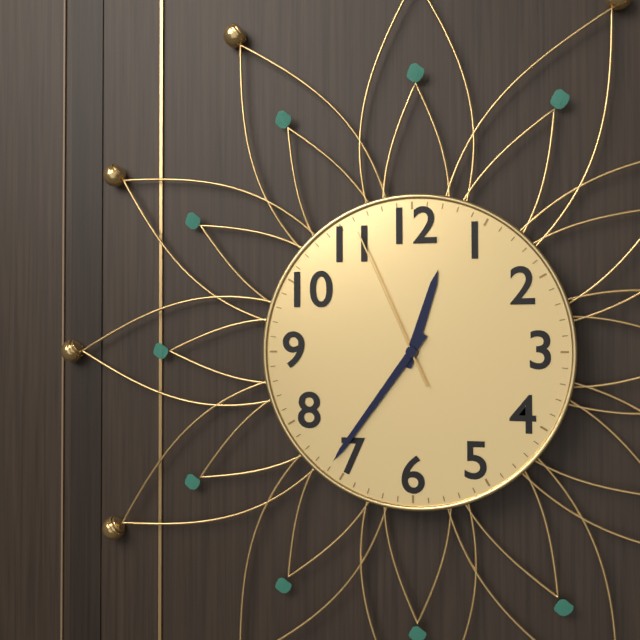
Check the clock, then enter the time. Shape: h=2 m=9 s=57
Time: h=12 m=36 s=56
